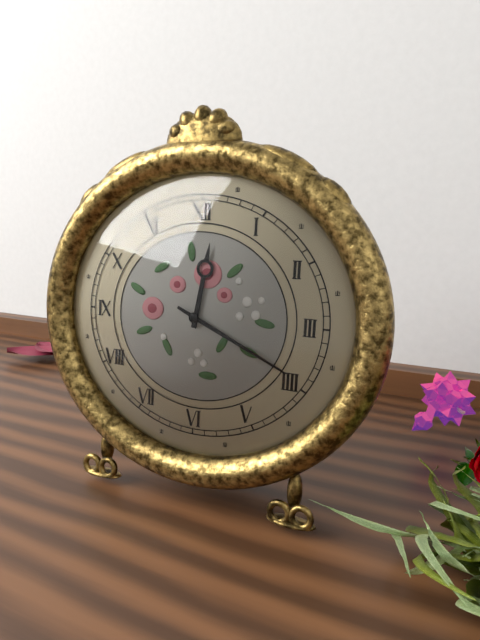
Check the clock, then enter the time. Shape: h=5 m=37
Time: h=12 m=19
